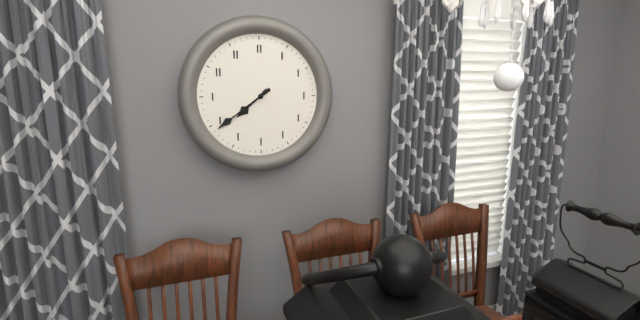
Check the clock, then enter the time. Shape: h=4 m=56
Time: h=7 m=39
